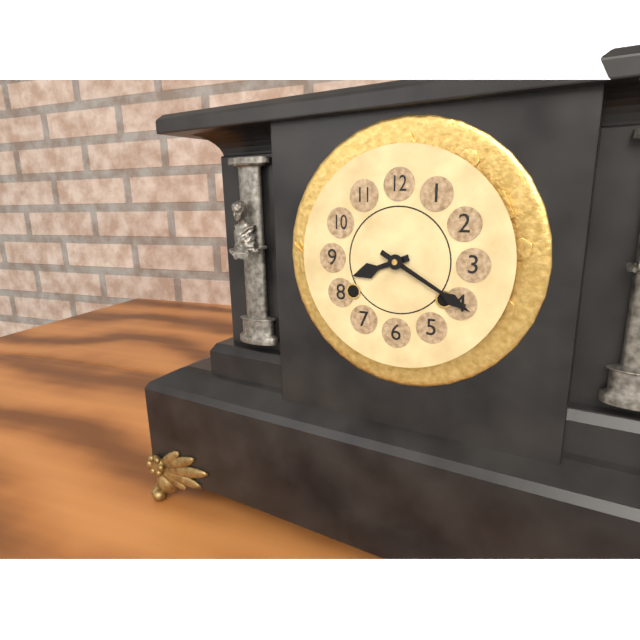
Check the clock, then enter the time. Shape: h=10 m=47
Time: h=8 m=20
